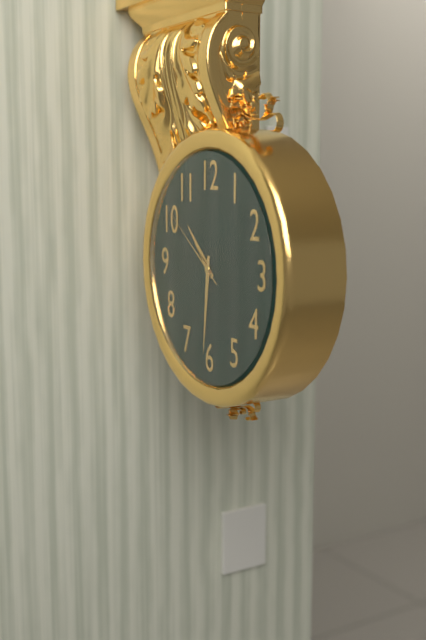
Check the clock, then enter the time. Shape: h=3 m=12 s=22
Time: h=10 m=31 s=51
